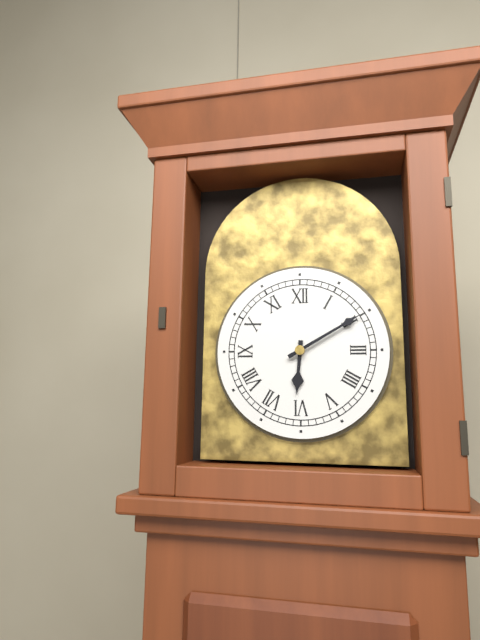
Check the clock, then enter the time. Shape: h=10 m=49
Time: h=6 m=10
